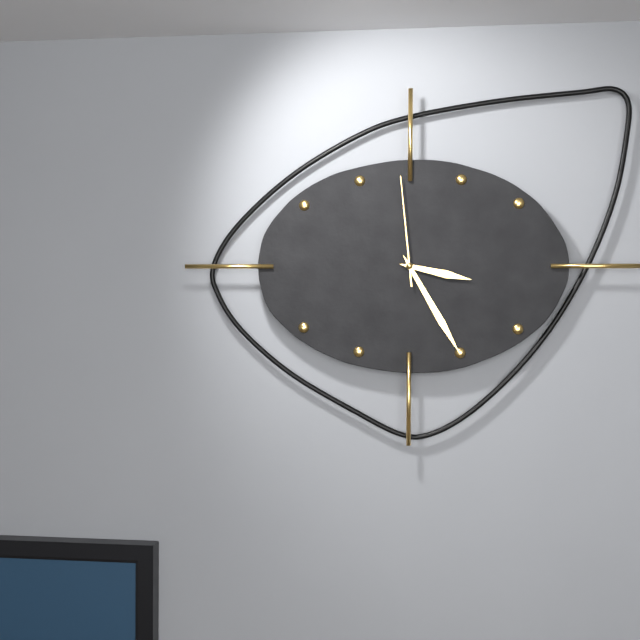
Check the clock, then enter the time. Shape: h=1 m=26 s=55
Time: h=3 m=25 s=59
